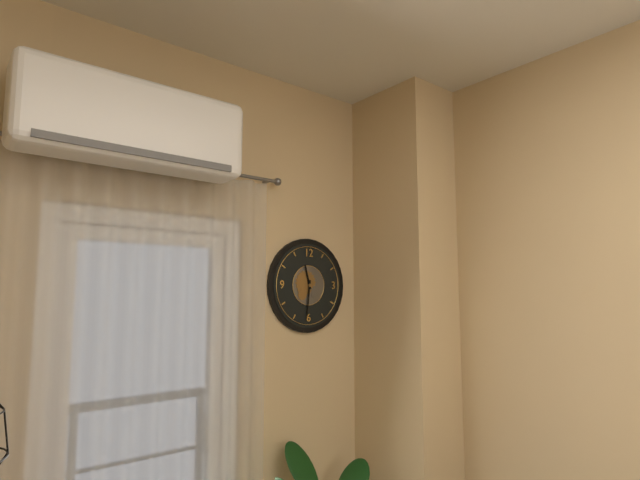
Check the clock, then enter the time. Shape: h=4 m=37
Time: h=11 m=31
